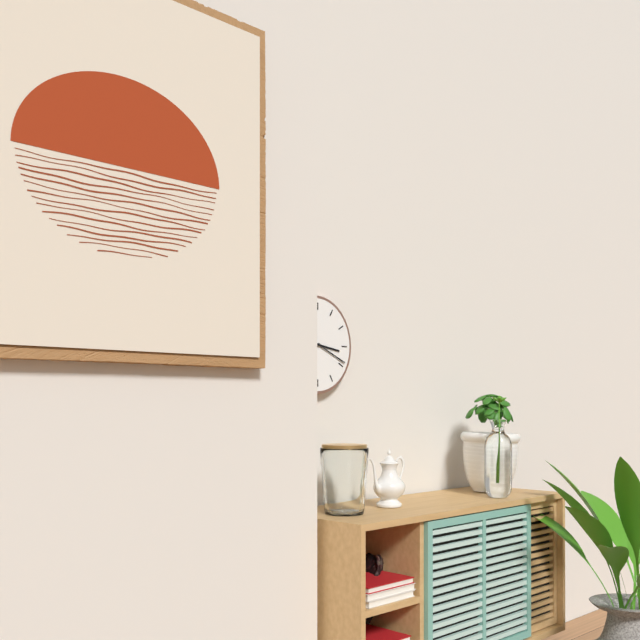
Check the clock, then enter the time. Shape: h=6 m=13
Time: h=3 m=19
